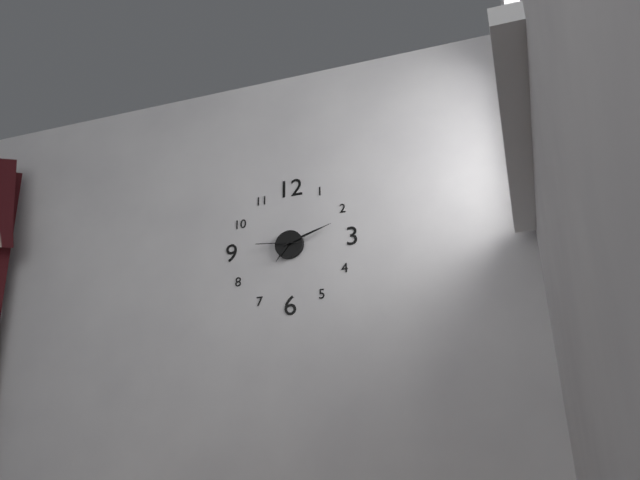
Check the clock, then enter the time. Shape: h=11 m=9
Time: h=7 m=12
